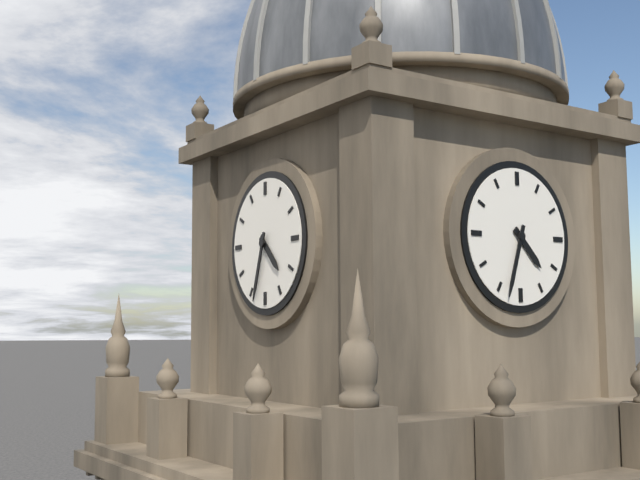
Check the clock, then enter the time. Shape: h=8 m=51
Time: h=4 m=33
